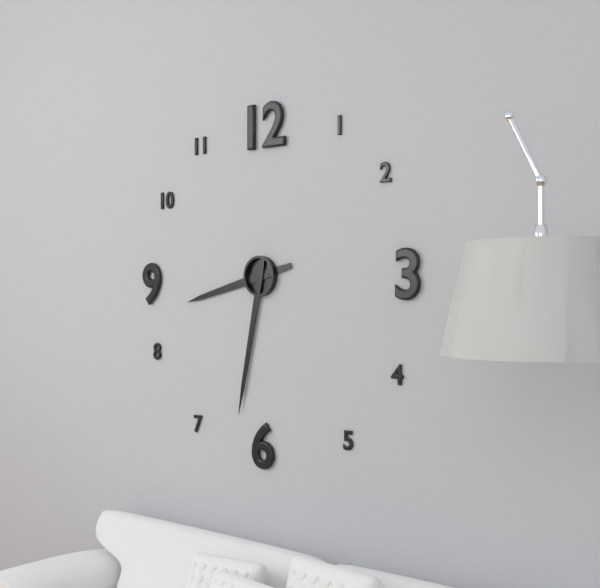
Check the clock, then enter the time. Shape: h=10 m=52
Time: h=8 m=32
